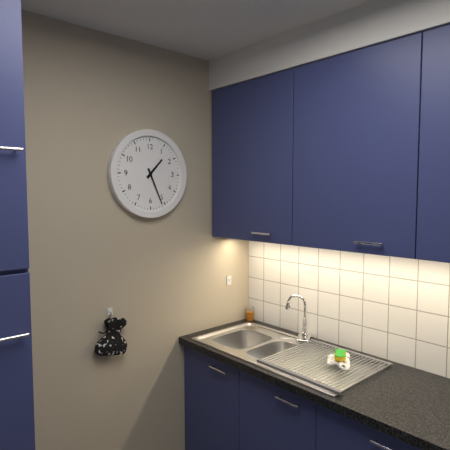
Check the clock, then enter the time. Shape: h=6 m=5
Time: h=1 m=26
